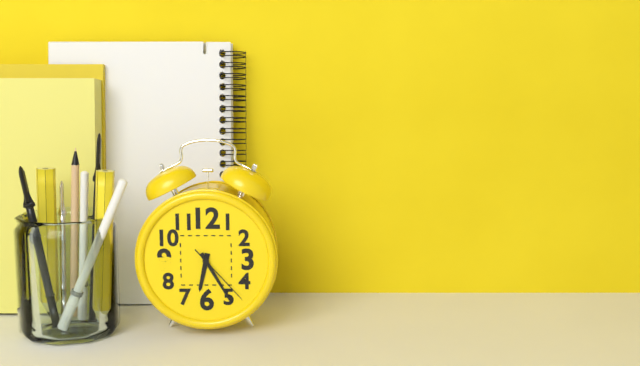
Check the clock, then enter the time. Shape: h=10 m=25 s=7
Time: h=6 m=25 s=23
